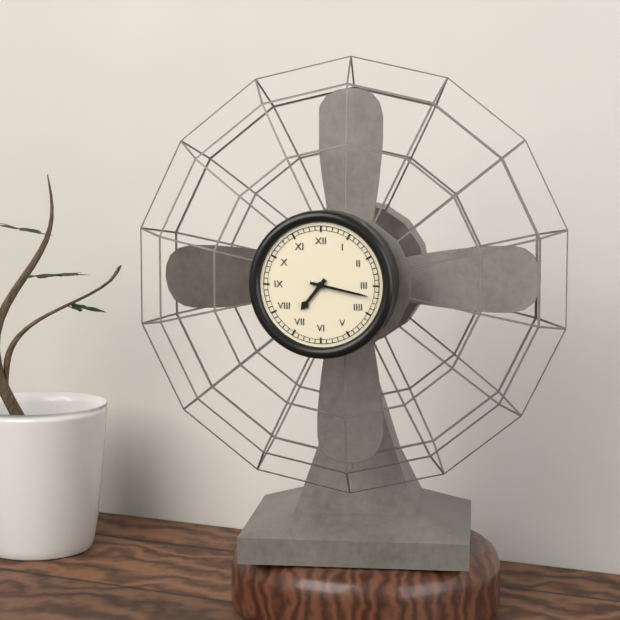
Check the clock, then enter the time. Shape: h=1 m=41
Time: h=7 m=17
